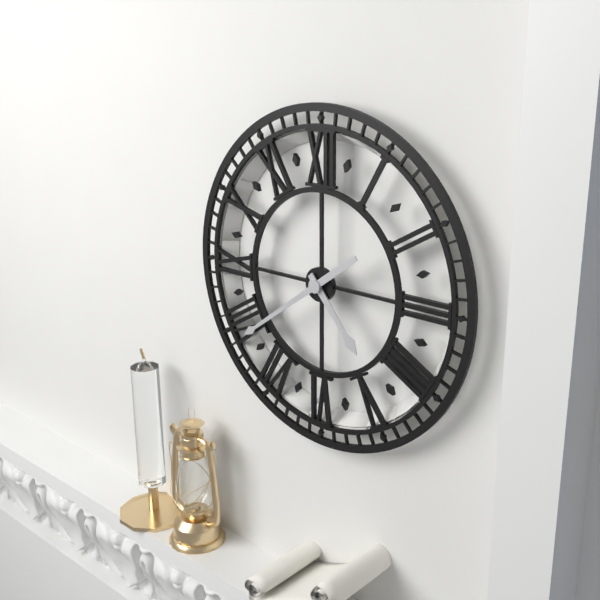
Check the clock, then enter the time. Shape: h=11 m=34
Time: h=4 m=39
